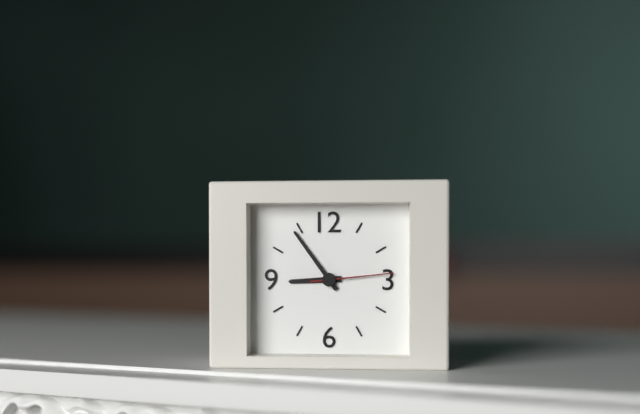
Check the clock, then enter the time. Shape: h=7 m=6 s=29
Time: h=8 m=54 s=14
